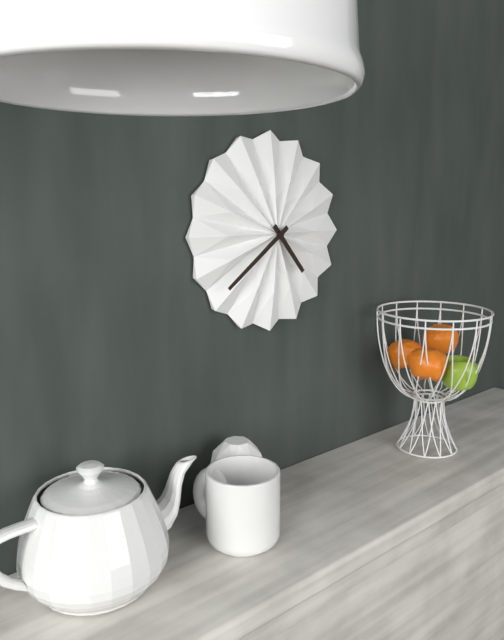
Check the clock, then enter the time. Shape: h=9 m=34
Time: h=4 m=39
